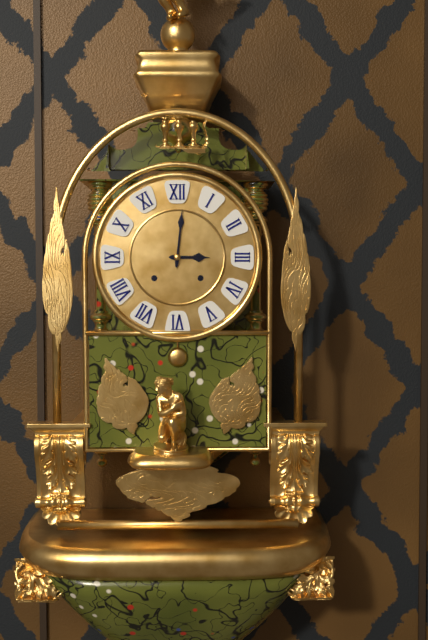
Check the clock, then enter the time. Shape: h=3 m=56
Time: h=3 m=1
